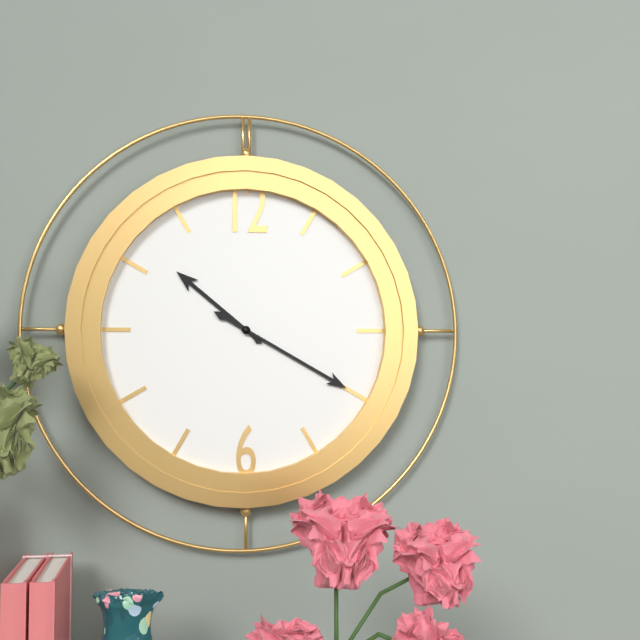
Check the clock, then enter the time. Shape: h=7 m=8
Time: h=10 m=20
